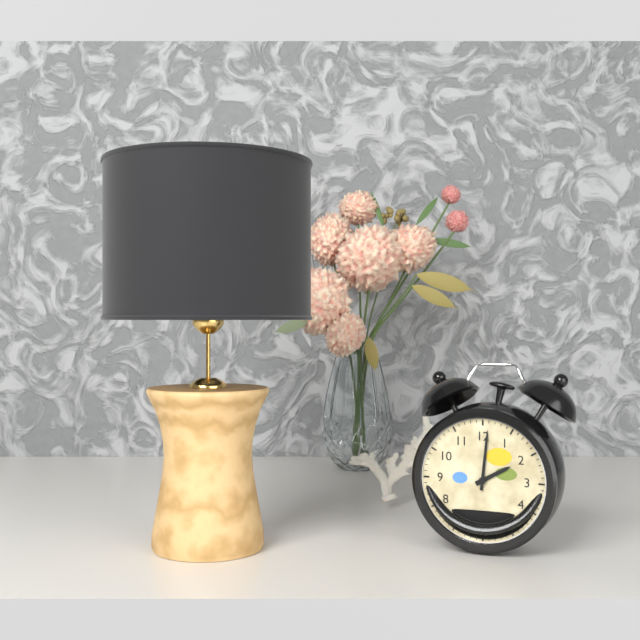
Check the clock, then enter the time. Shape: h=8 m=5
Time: h=2 m=1
